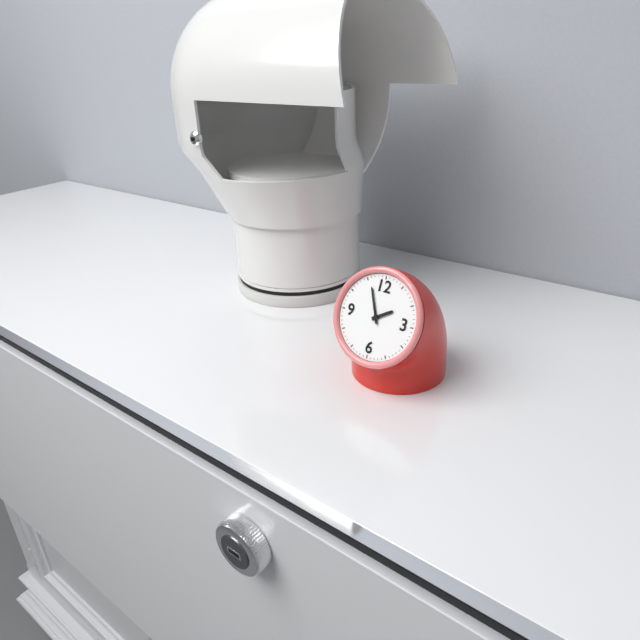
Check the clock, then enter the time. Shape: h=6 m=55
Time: h=1 m=56
